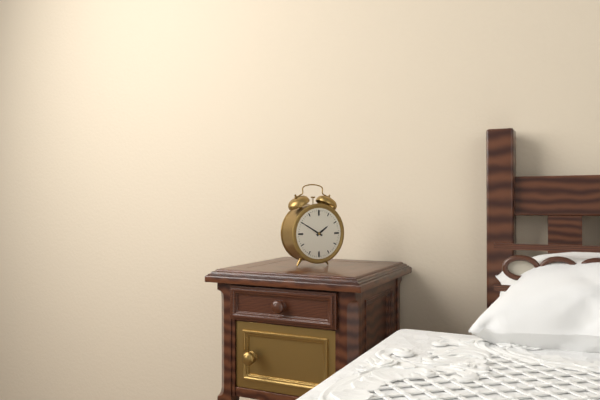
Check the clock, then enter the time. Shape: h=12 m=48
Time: h=1 m=50
